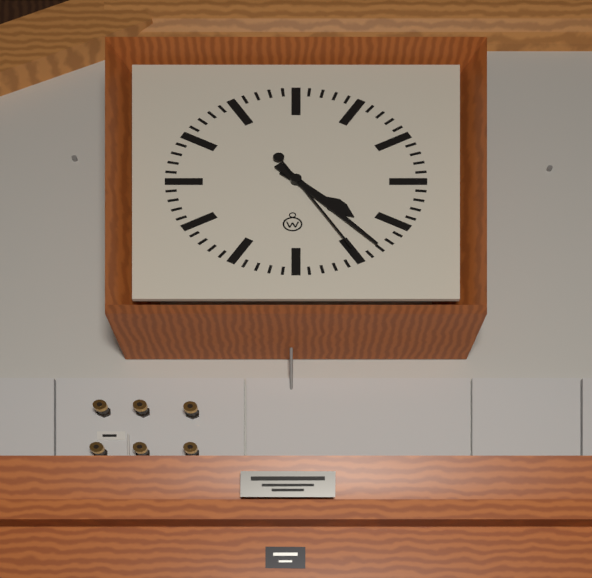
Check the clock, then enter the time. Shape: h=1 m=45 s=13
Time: h=4 m=23 s=25
